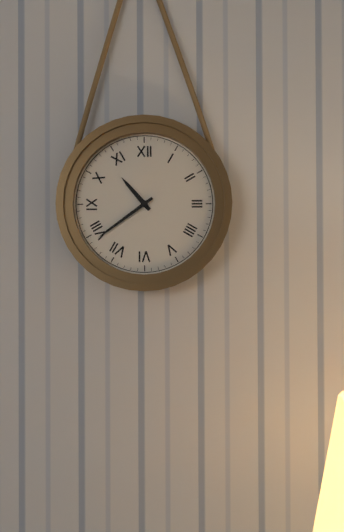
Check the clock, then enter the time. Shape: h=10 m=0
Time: h=10 m=39
